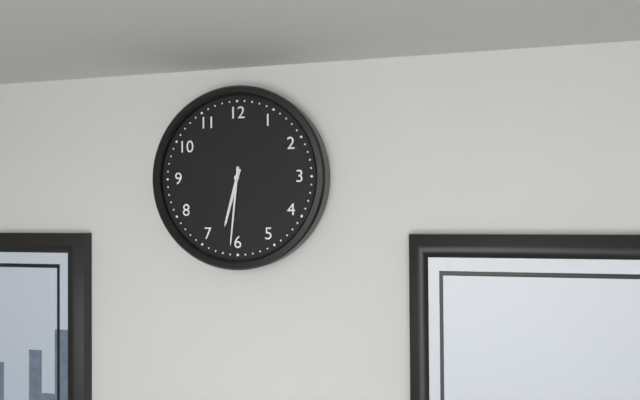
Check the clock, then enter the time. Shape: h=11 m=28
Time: h=6 m=31
